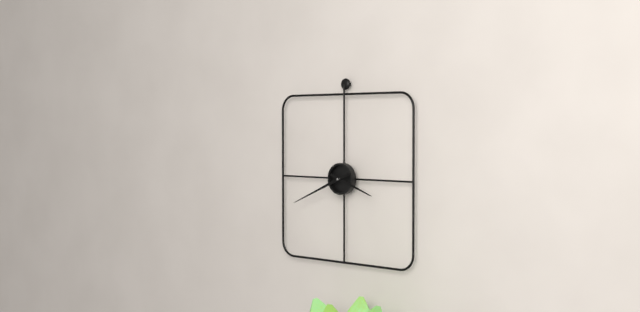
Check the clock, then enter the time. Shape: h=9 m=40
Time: h=3 m=41
